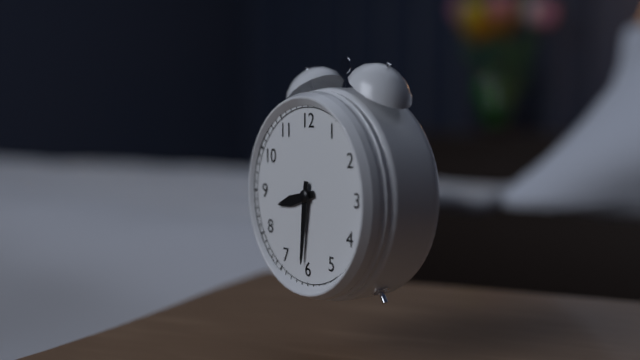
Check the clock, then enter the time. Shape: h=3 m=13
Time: h=8 m=31
